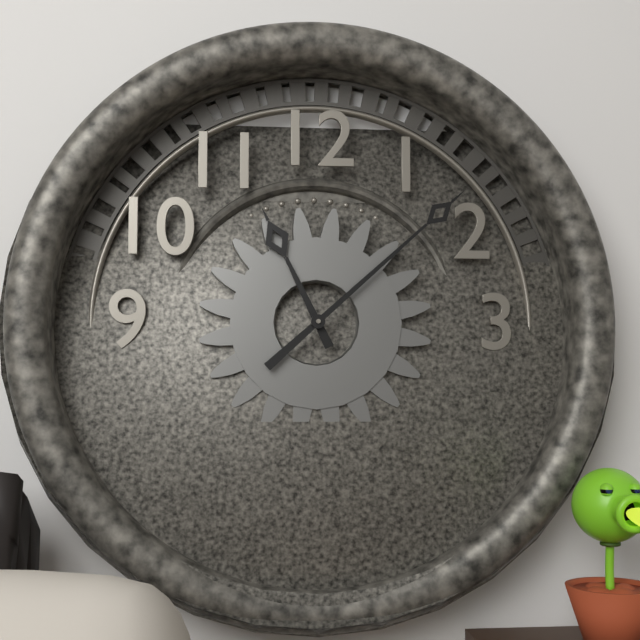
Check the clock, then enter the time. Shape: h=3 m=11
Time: h=11 m=8
